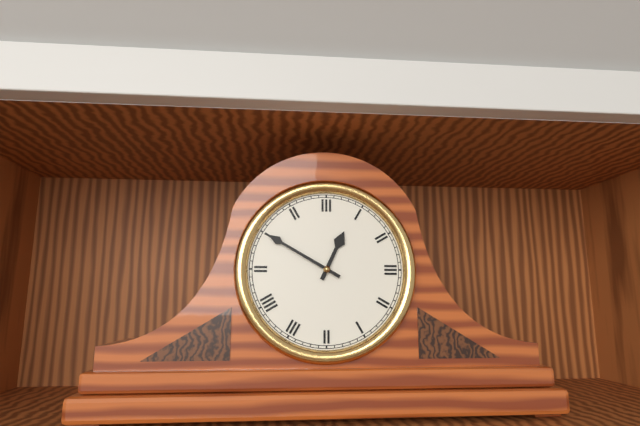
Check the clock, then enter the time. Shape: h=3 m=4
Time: h=12 m=50
